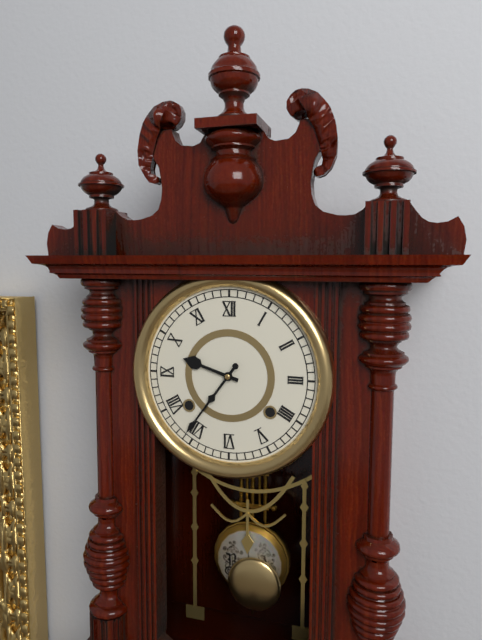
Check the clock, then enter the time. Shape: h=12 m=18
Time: h=9 m=36
